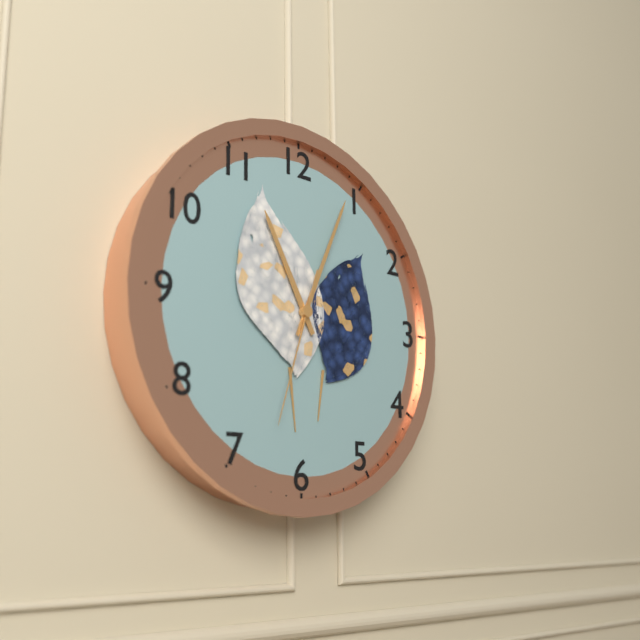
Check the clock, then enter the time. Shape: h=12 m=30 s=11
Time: h=11 m=4 s=33
